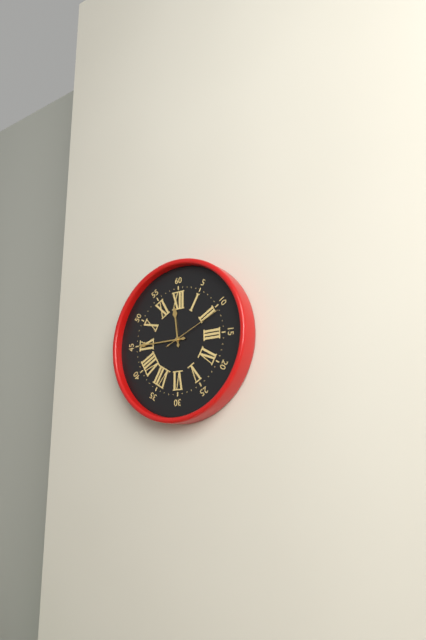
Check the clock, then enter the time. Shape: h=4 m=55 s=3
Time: h=11 m=45 s=11
